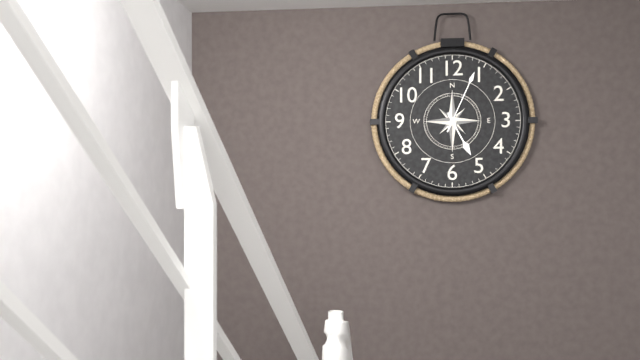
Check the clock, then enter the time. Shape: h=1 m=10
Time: h=5 m=4
